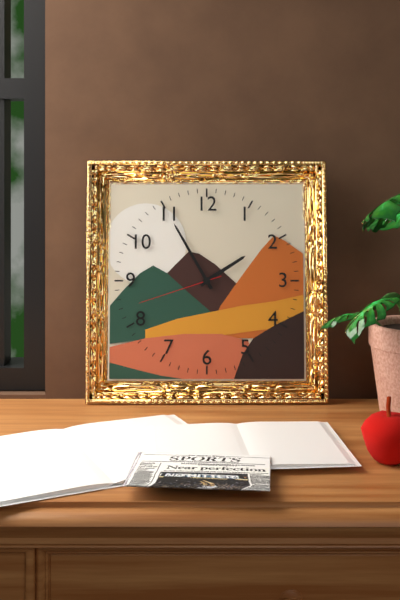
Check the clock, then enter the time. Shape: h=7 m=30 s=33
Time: h=1 m=55 s=42
